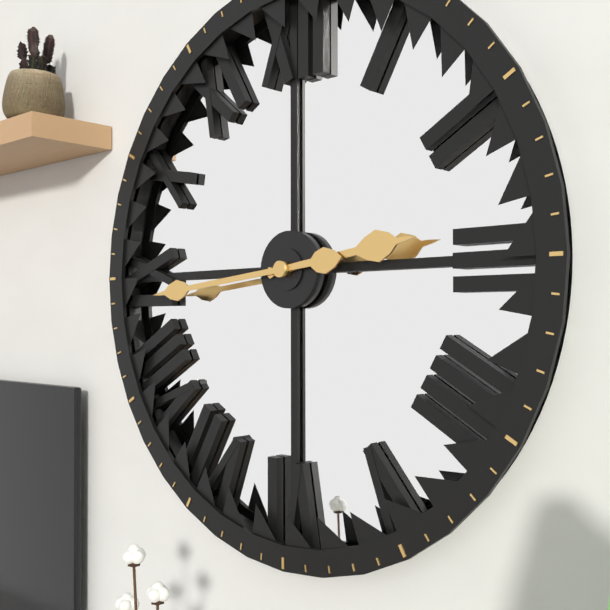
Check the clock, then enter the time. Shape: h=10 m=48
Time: h=2 m=44
